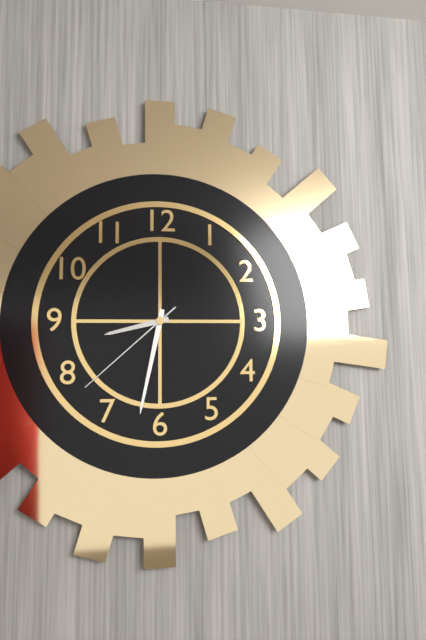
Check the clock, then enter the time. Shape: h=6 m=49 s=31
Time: h=8 m=32 s=38
